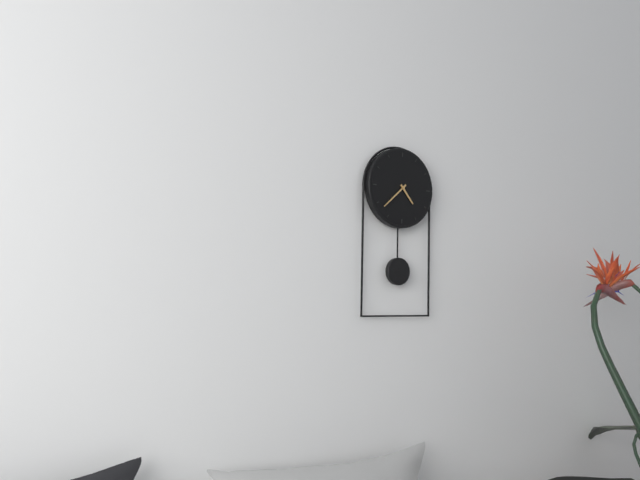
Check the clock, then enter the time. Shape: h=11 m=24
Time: h=4 m=38
